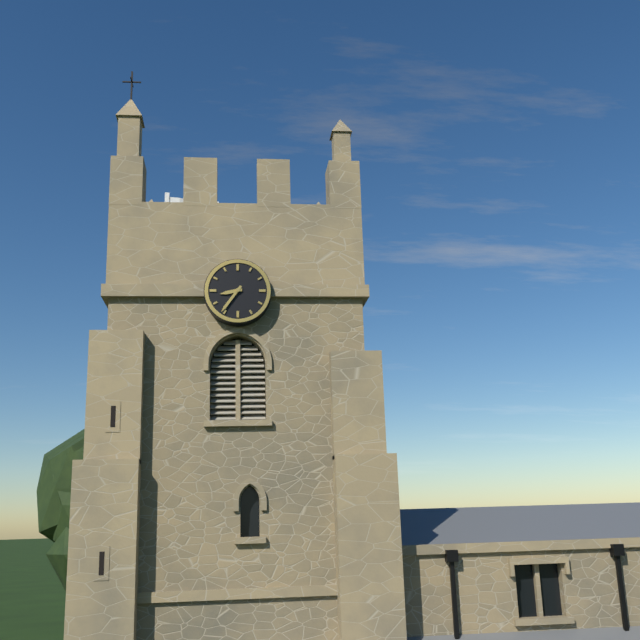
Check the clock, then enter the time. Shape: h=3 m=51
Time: h=8 m=36
